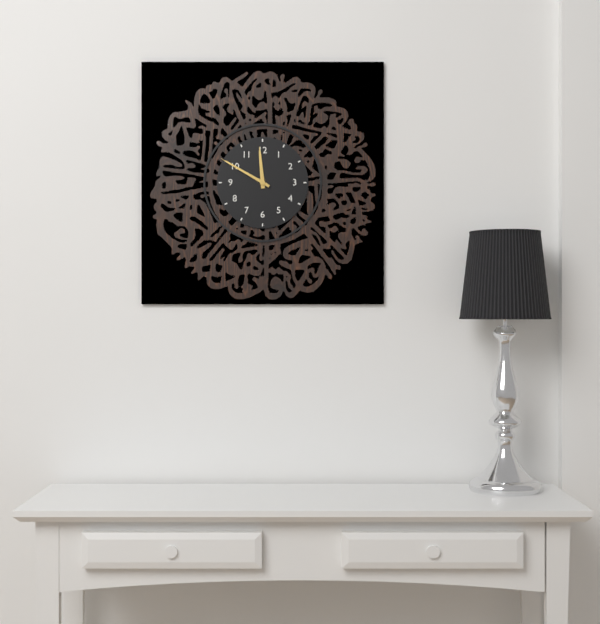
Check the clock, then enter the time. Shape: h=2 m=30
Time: h=11 m=50
